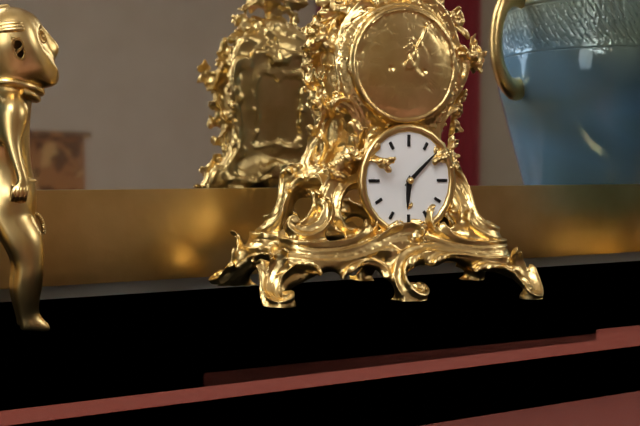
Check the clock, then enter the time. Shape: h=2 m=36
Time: h=6 m=8
